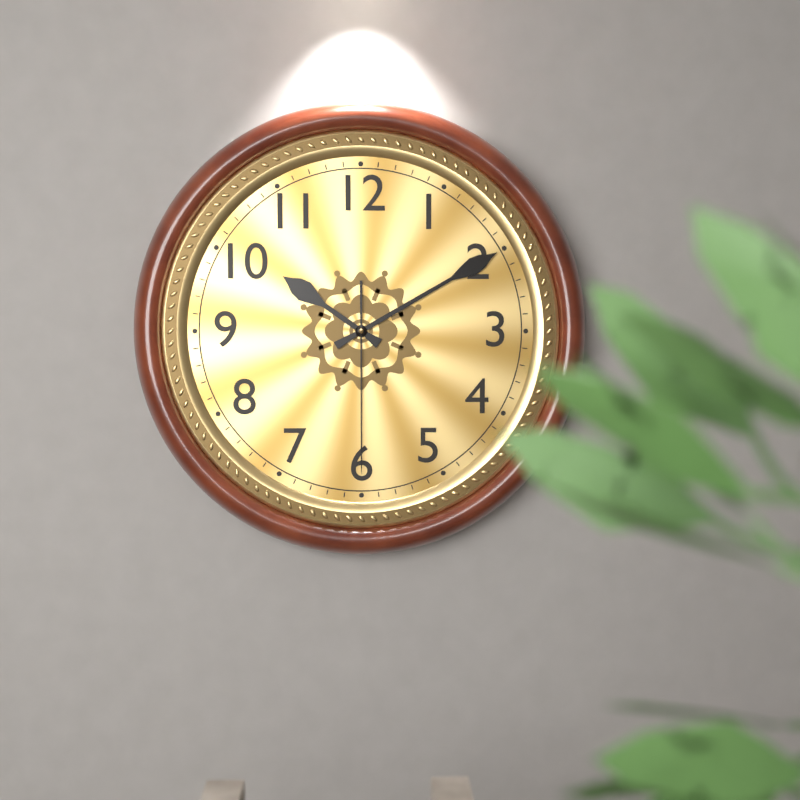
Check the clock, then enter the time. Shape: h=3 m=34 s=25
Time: h=10 m=10 s=30
